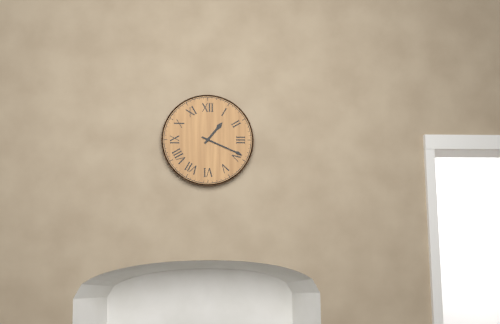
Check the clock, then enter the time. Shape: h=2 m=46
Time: h=1 m=19
